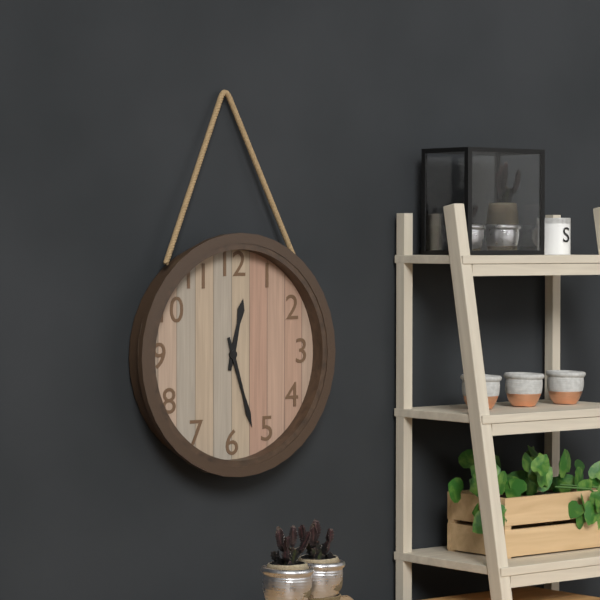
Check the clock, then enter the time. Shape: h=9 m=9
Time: h=12 m=27
